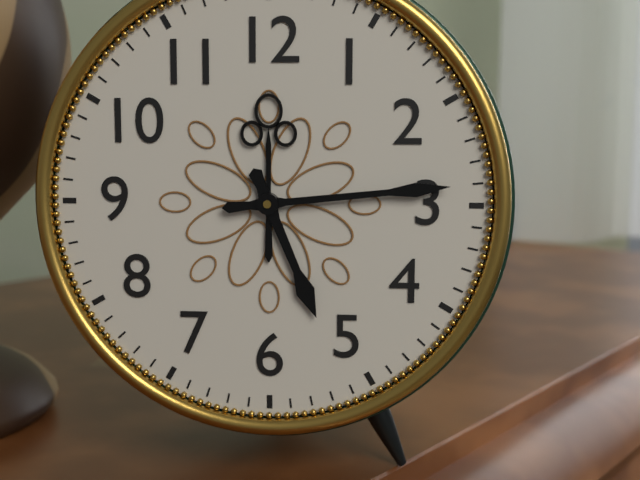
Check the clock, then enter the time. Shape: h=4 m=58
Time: h=5 m=14
